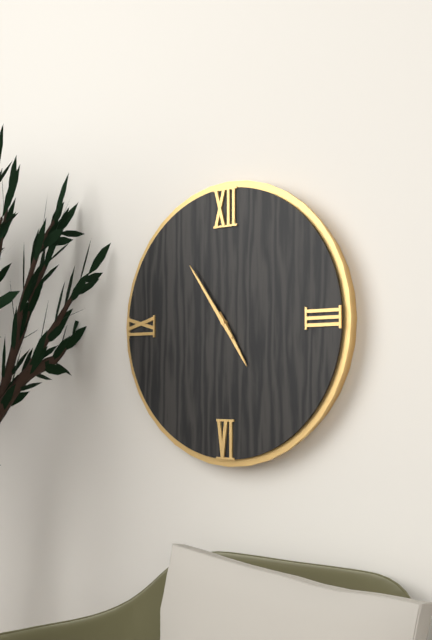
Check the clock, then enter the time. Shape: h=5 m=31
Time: h=4 m=54
